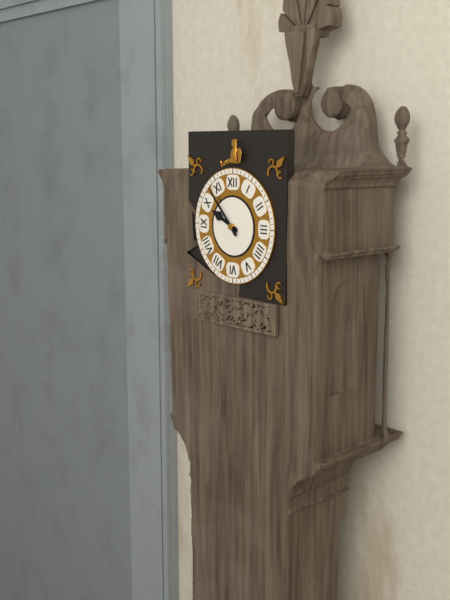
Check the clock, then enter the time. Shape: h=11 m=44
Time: h=9 m=53
